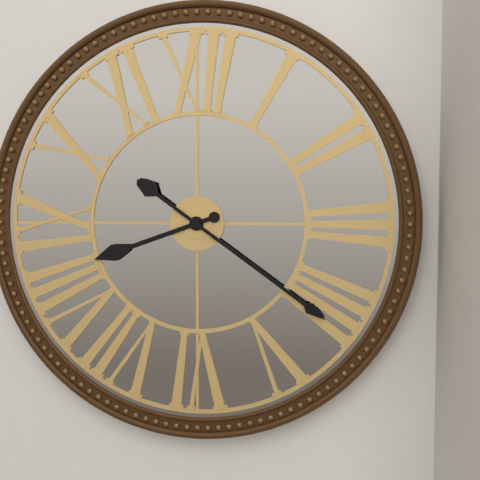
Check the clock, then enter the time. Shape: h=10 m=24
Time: h=8 m=21
